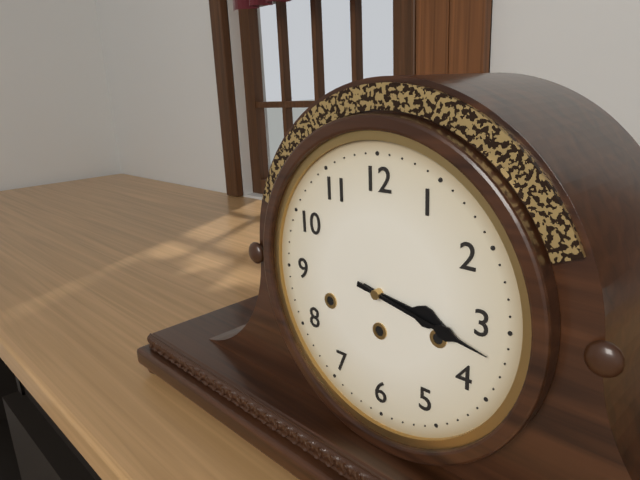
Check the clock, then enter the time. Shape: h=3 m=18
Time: h=3 m=17
